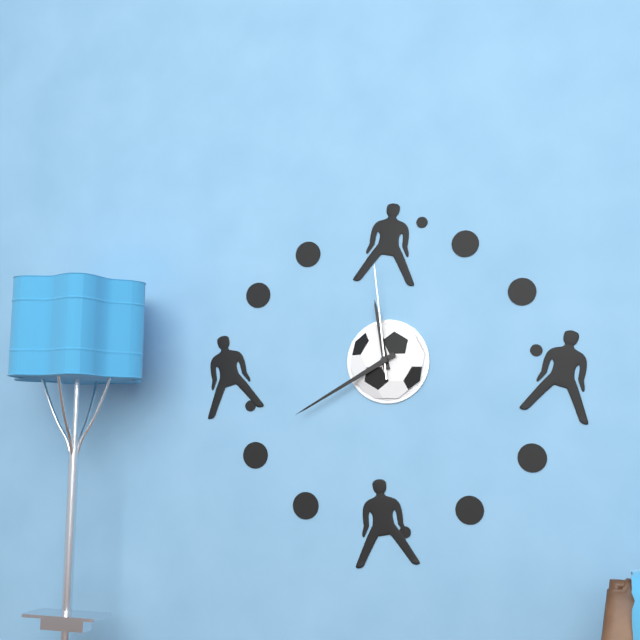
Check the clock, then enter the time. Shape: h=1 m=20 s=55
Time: h=11 m=40 s=59
